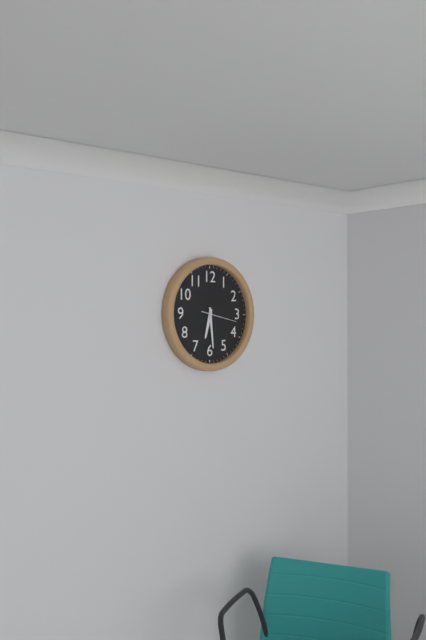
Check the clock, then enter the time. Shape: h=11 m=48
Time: h=6 m=29
